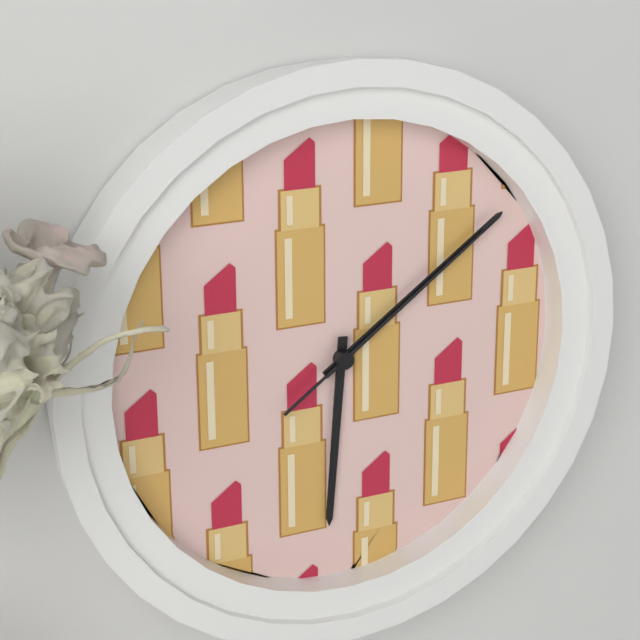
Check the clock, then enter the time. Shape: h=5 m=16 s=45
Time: h=6 m=9 s=9
